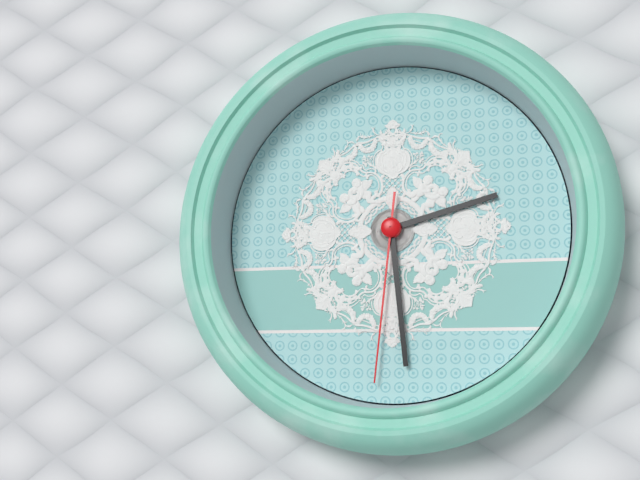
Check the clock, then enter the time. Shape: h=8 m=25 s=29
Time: h=2 m=29 s=31
